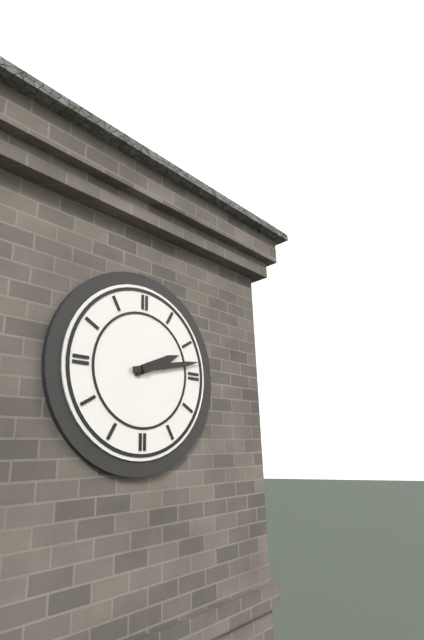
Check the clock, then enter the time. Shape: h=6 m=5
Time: h=2 m=13
